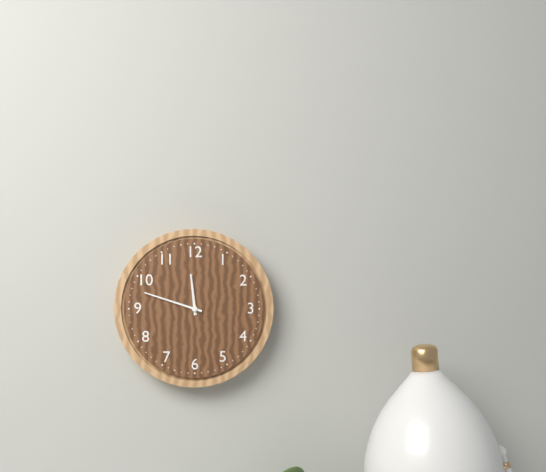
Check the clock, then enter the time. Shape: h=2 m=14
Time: h=11 m=48
